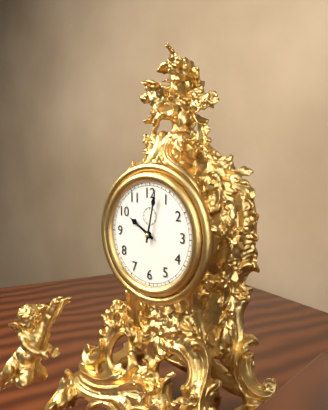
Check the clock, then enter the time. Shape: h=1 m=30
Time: h=10 m=2
